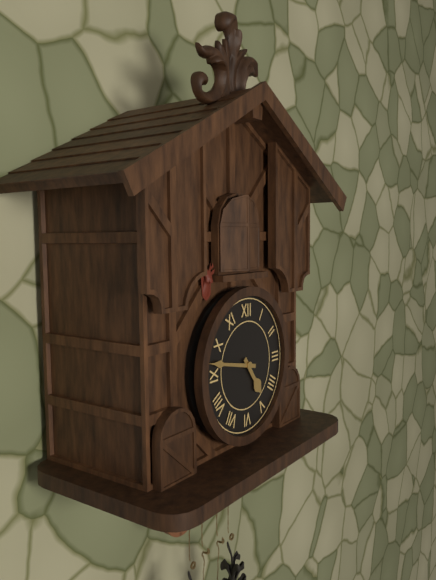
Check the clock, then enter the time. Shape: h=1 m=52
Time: h=4 m=47
